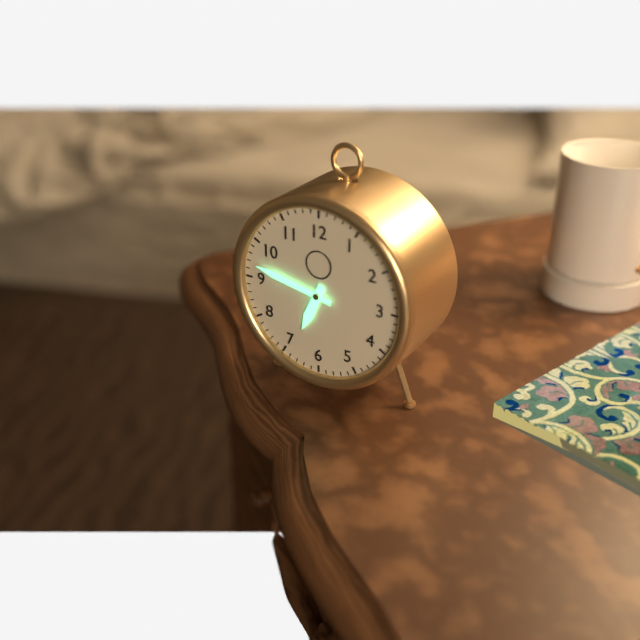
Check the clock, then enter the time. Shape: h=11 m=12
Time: h=6 m=47
